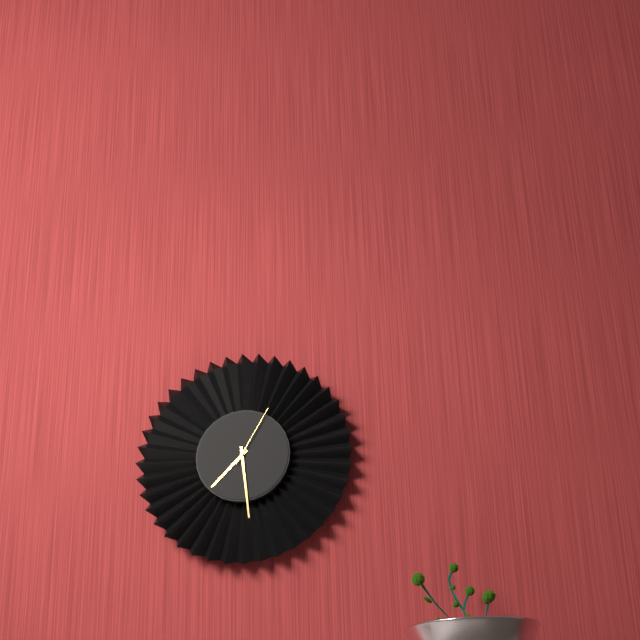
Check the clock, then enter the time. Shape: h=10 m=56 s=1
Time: h=7 m=29 s=5
